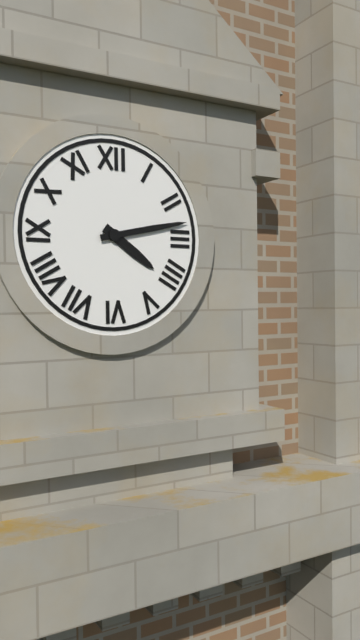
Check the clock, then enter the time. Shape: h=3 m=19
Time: h=4 m=13
